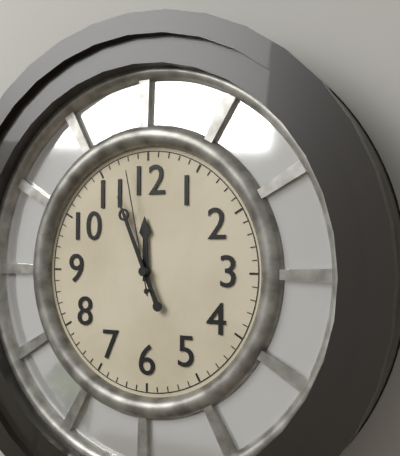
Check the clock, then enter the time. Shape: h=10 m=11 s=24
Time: h=11 m=56 s=58
